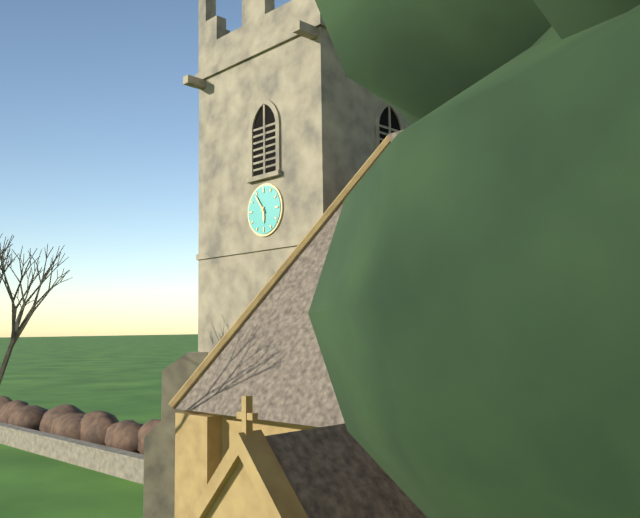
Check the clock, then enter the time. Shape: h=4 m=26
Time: h=5 m=54
